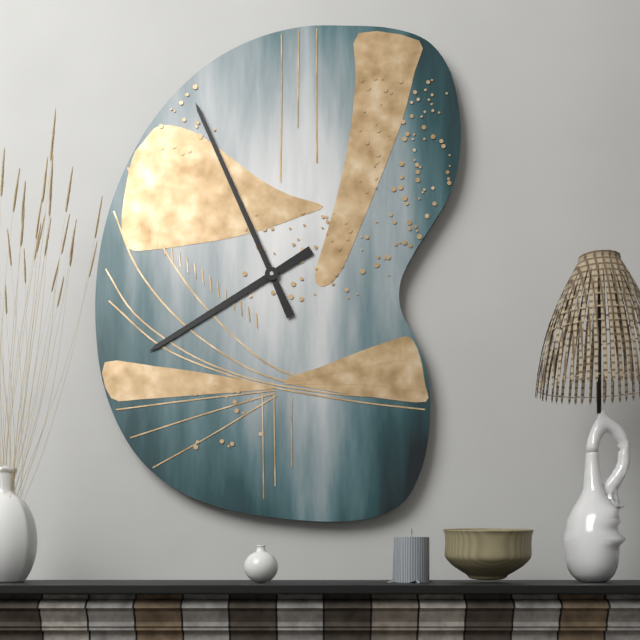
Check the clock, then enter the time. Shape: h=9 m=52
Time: h=7 m=56
